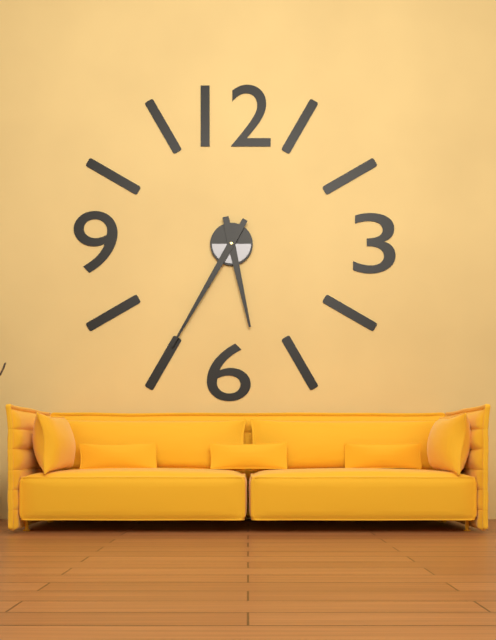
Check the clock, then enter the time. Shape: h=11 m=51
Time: h=5 m=35
